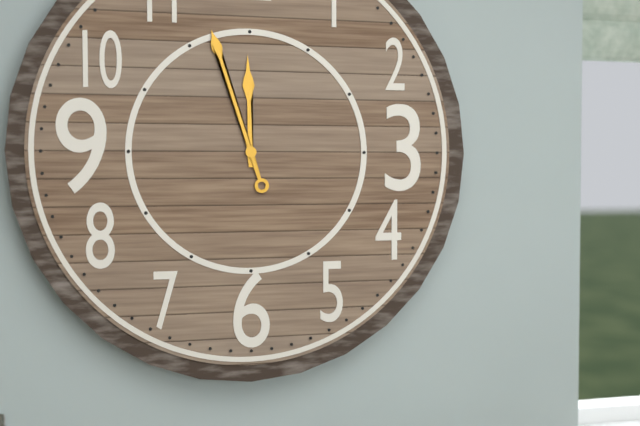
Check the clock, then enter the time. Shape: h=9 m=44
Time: h=11 m=57
